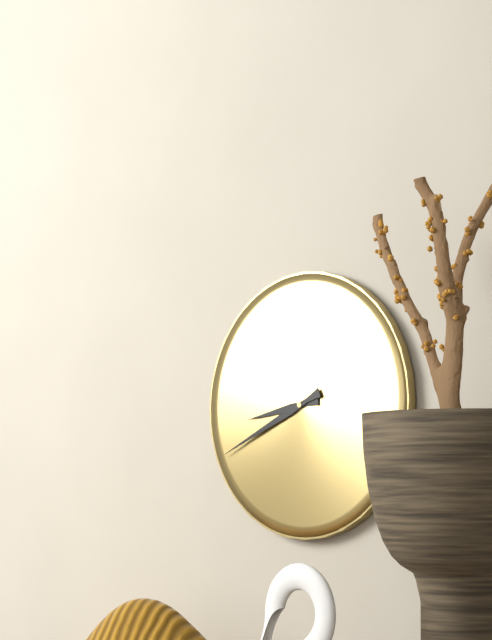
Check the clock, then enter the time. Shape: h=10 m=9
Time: h=8 m=41
